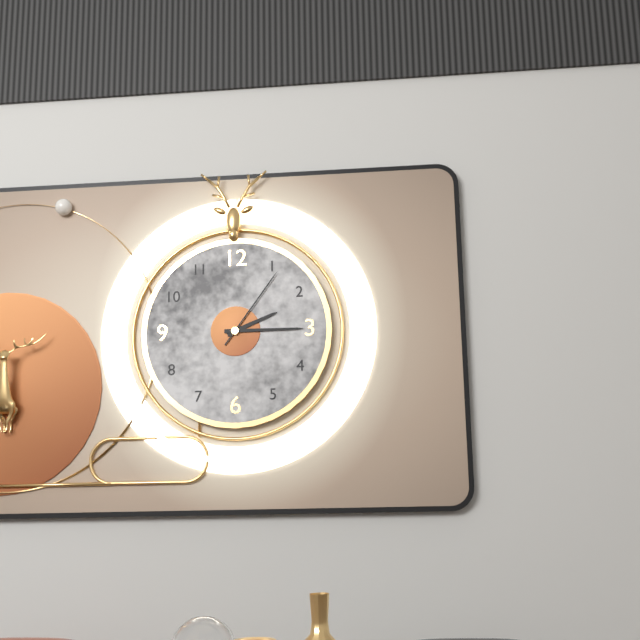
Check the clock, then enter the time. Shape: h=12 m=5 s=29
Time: h=2 m=15 s=6
